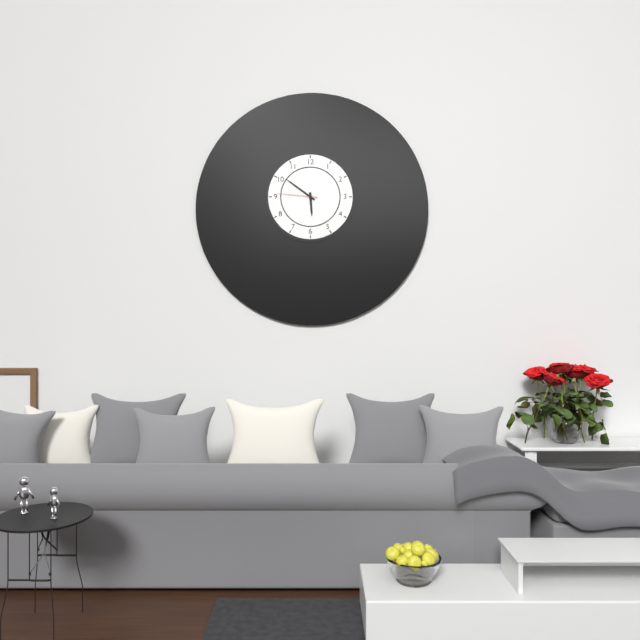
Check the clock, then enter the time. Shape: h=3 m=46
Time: h=5 m=51
